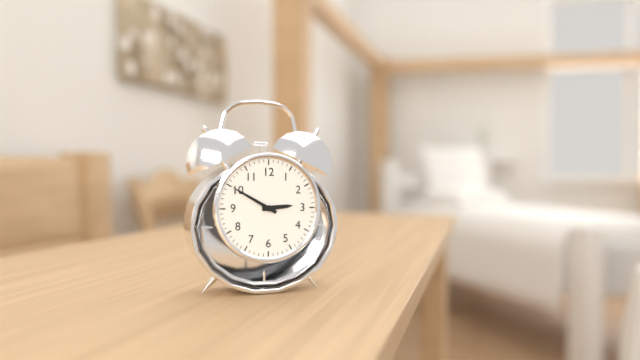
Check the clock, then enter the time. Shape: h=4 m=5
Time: h=2 m=50
